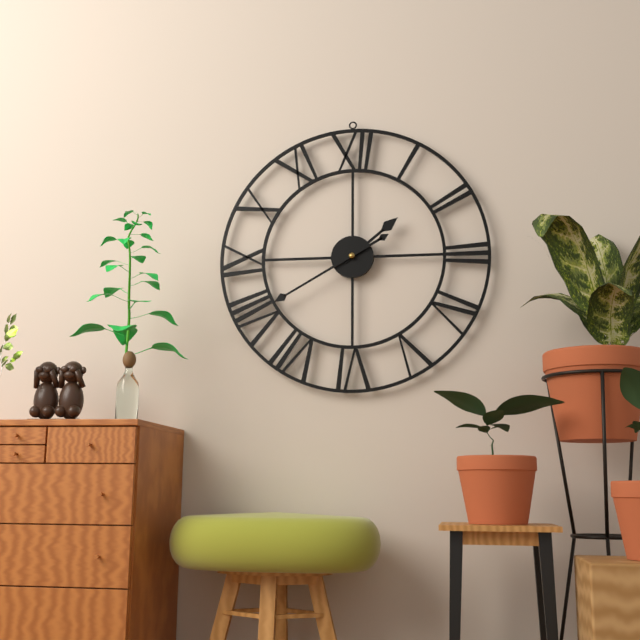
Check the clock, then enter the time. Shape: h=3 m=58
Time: h=1 m=40
